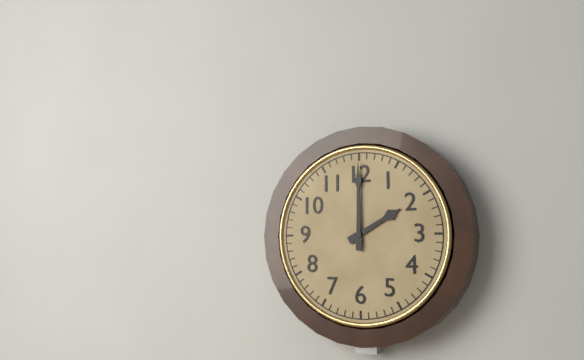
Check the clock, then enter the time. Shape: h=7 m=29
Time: h=2 m=0
